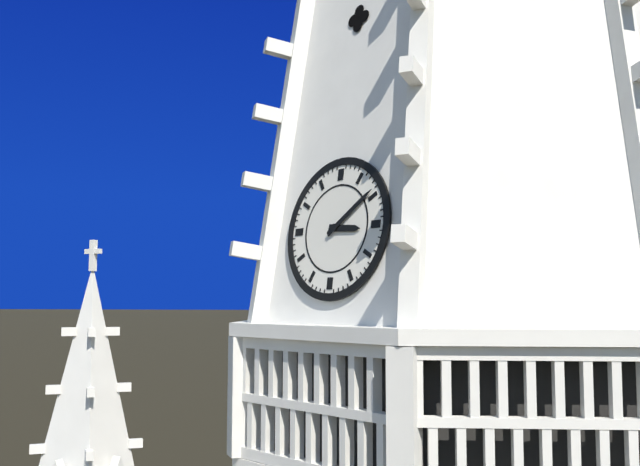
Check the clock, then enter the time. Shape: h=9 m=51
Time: h=3 m=9
